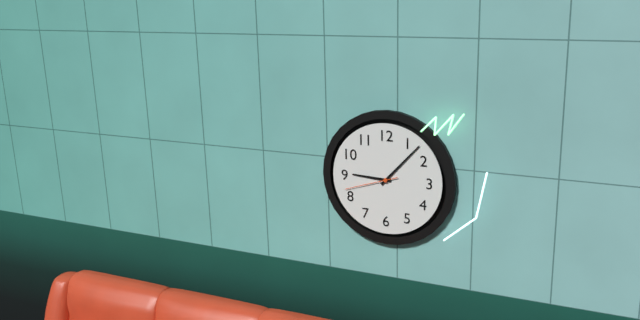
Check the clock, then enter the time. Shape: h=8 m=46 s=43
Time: h=9 m=7 s=42
